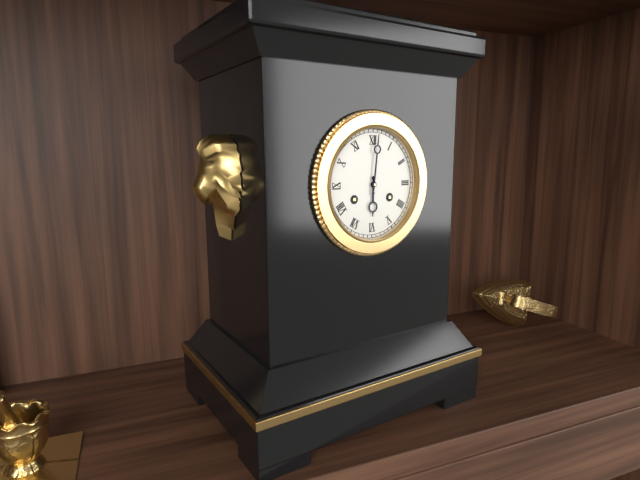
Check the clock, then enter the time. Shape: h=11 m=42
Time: h=6 m=1
